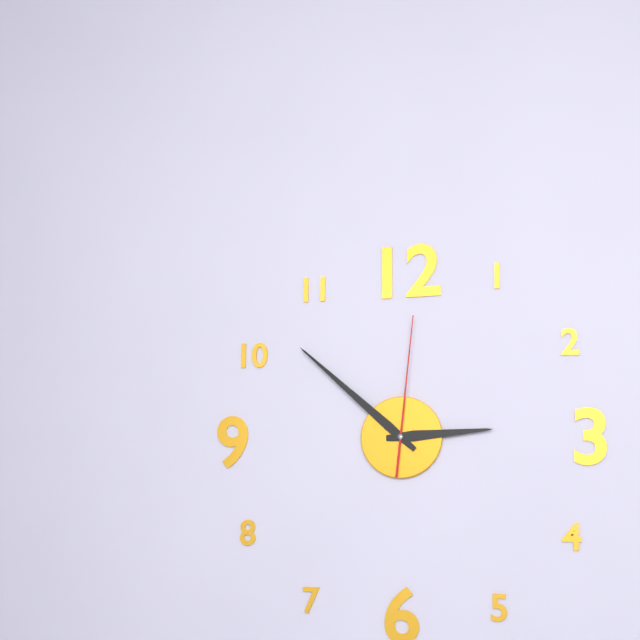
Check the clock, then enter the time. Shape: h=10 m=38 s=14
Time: h=2 m=52 s=1
